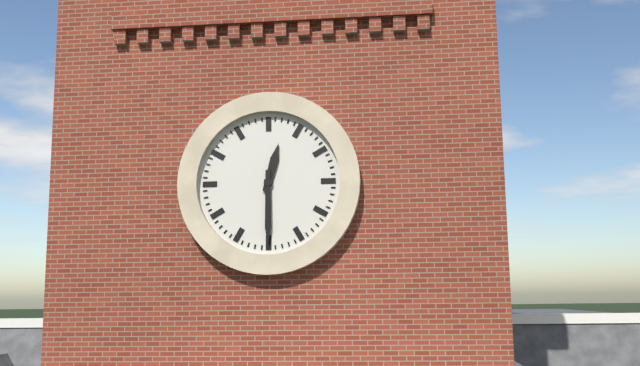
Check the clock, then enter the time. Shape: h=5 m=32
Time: h=12 m=30
